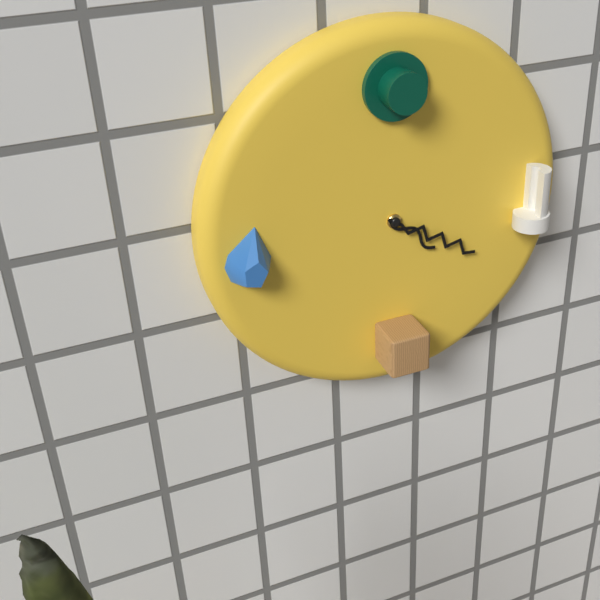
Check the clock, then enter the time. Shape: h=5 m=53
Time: h=4 m=20
